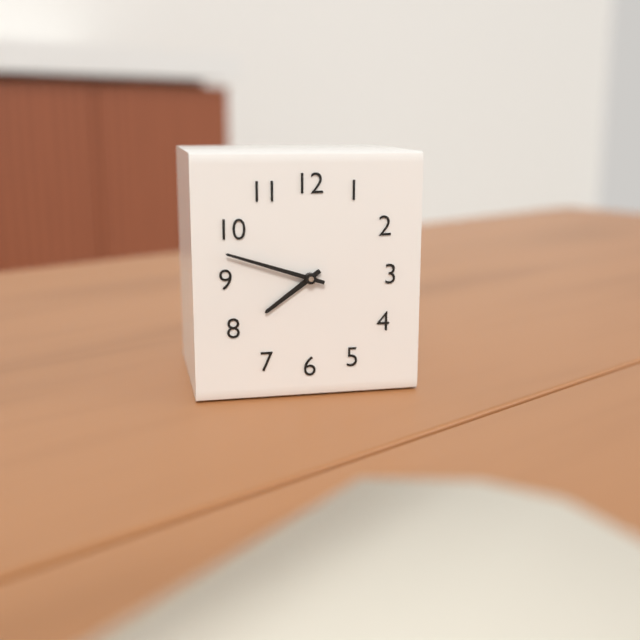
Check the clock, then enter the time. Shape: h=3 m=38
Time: h=7 m=48
